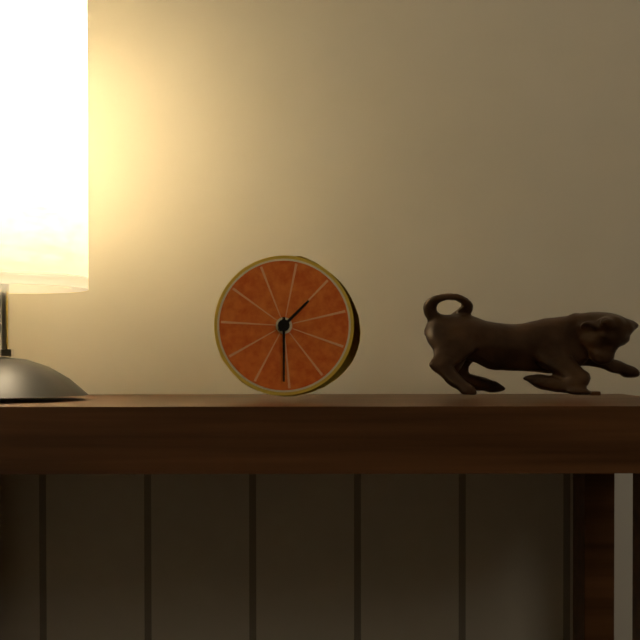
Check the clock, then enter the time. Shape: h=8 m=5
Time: h=1 m=30
